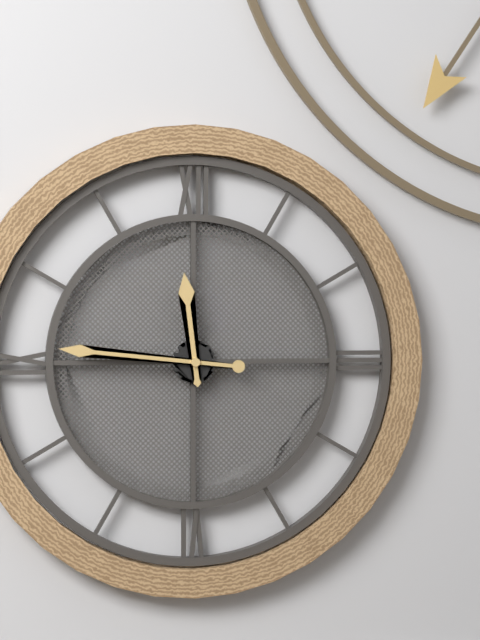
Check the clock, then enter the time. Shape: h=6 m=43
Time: h=11 m=46
